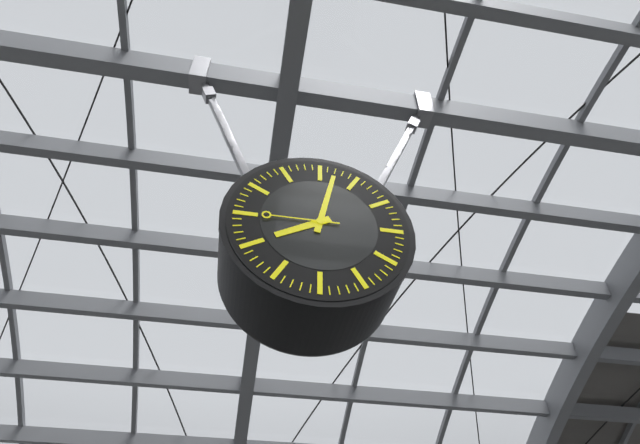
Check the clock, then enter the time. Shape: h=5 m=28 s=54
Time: h=8 m=2 s=45
